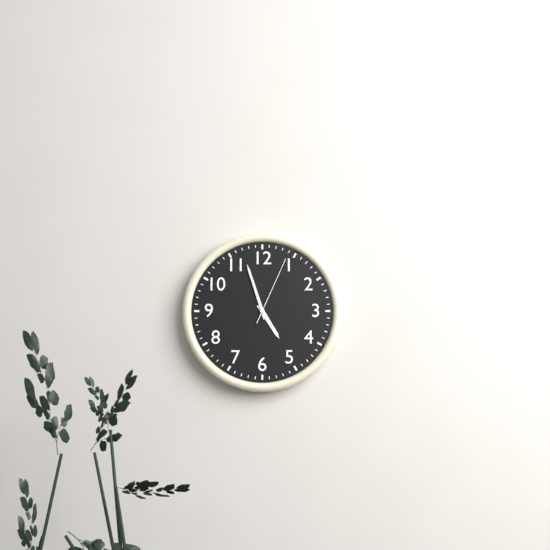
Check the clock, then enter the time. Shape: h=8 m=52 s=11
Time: h=4 m=57 s=4
